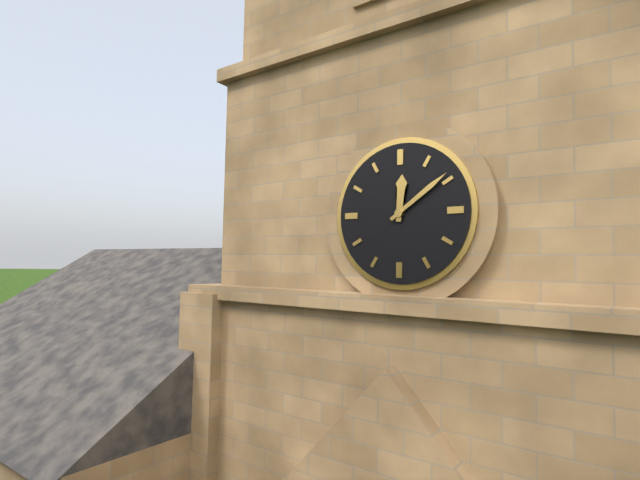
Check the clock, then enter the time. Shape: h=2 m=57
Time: h=12 m=9
